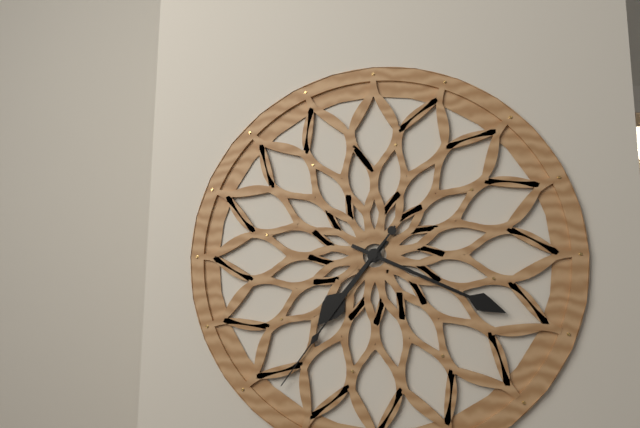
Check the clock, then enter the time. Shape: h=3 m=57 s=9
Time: h=7 m=19 s=36
